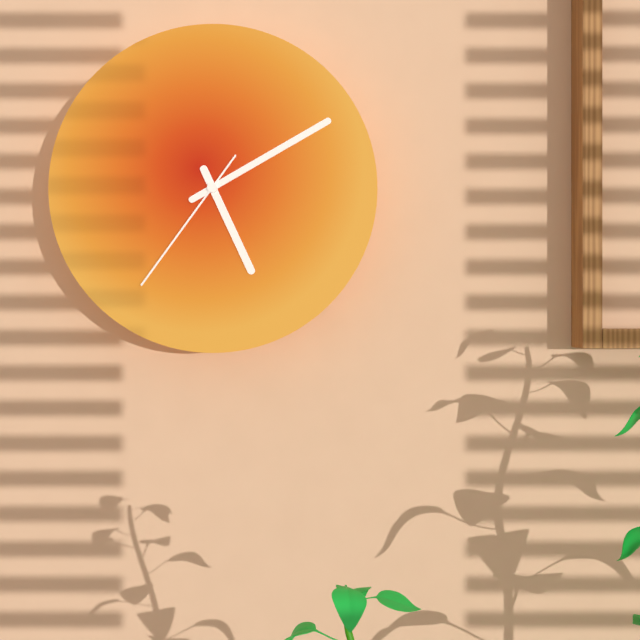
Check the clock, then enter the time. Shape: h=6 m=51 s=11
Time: h=5 m=10 s=36
